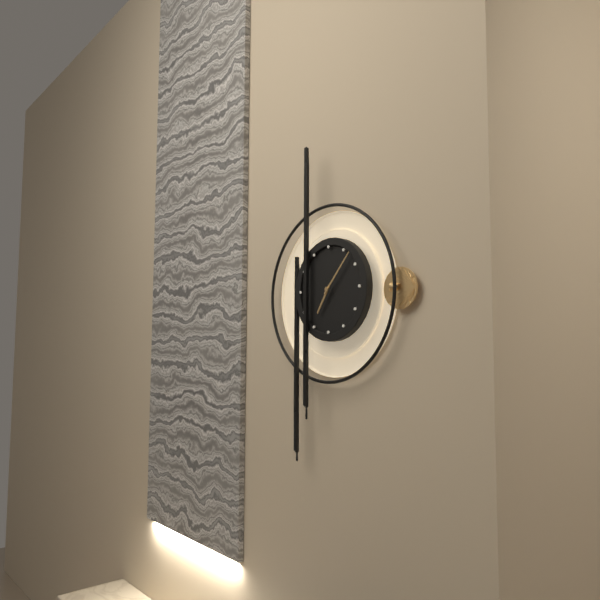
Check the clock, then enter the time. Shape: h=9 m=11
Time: h=7 m=7
